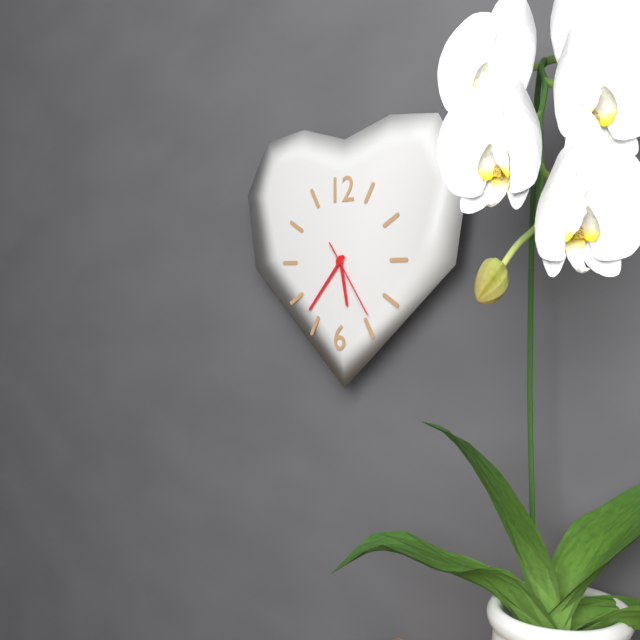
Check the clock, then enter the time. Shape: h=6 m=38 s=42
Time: h=5 m=37 s=24
